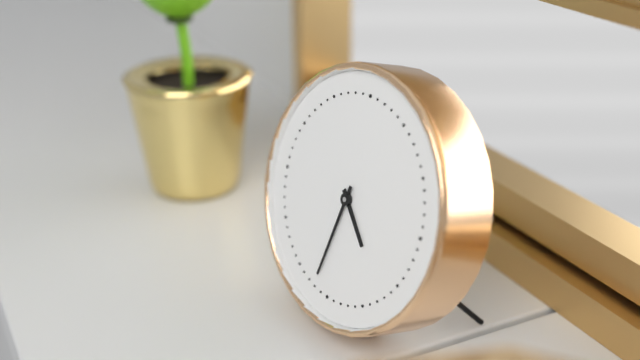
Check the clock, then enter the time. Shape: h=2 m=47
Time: h=4 m=32
